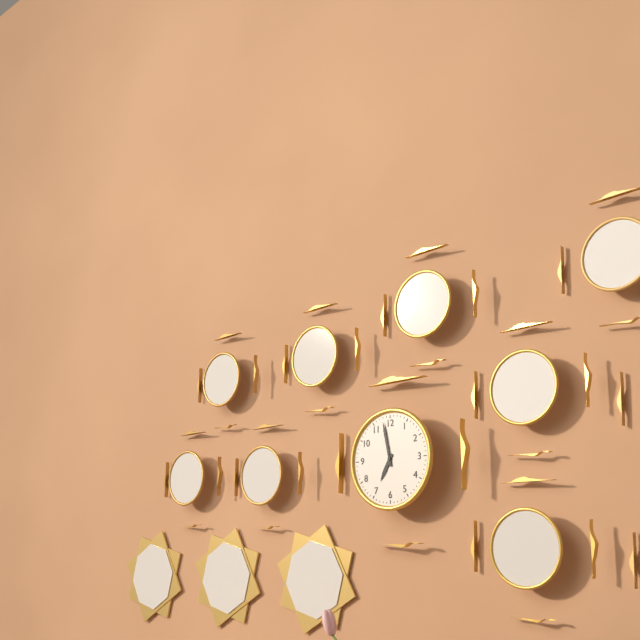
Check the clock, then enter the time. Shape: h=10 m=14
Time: h=6 m=58
